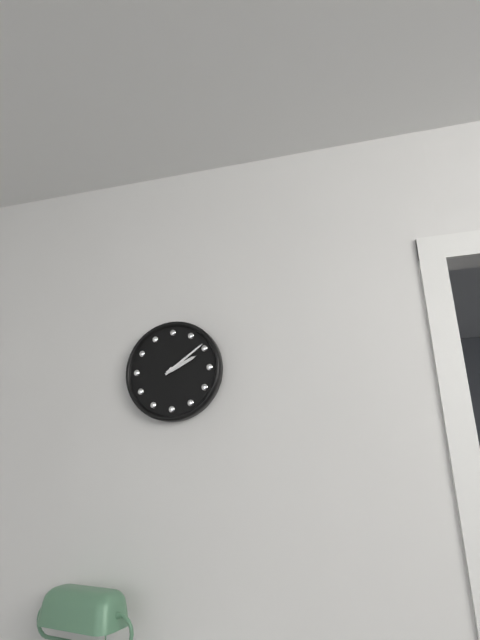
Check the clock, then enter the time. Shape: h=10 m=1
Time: h=2 m=9
